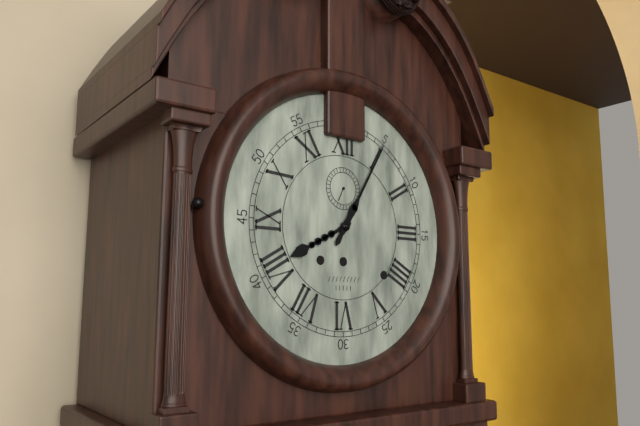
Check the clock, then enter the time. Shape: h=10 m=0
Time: h=8 m=5
